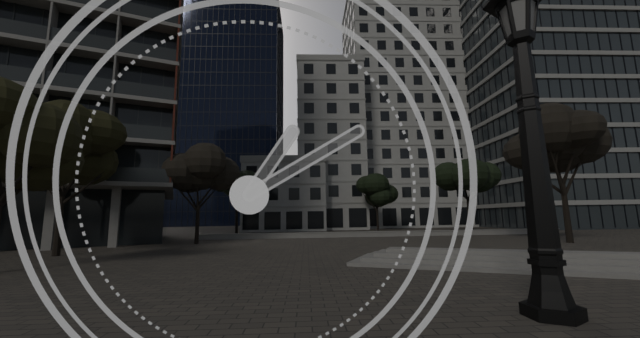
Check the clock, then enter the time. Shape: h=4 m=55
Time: h=1 m=10
